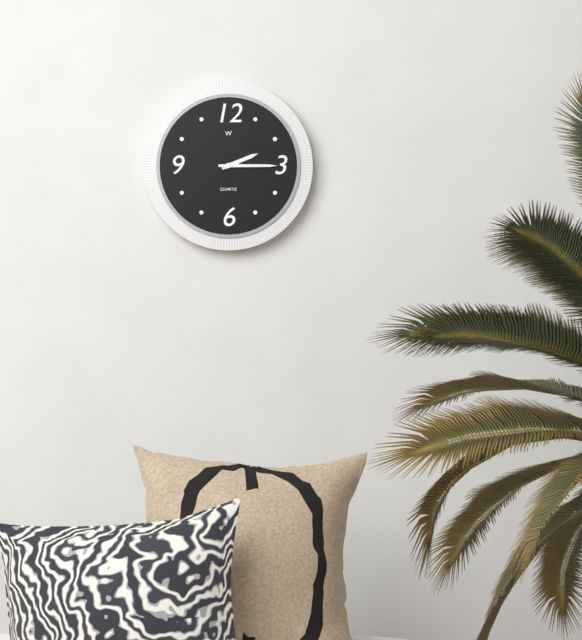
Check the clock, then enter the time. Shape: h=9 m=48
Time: h=2 m=15
